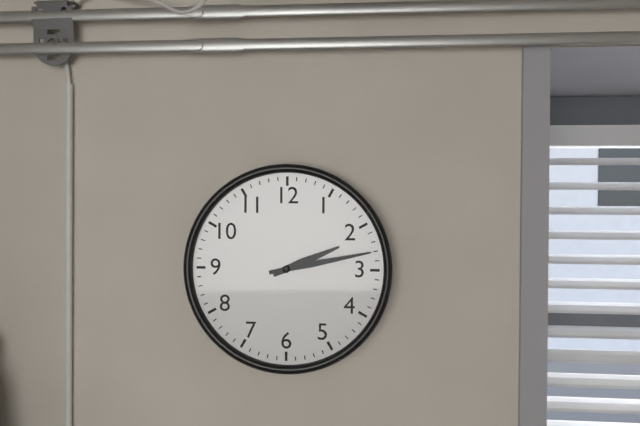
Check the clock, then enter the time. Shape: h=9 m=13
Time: h=2 m=13
